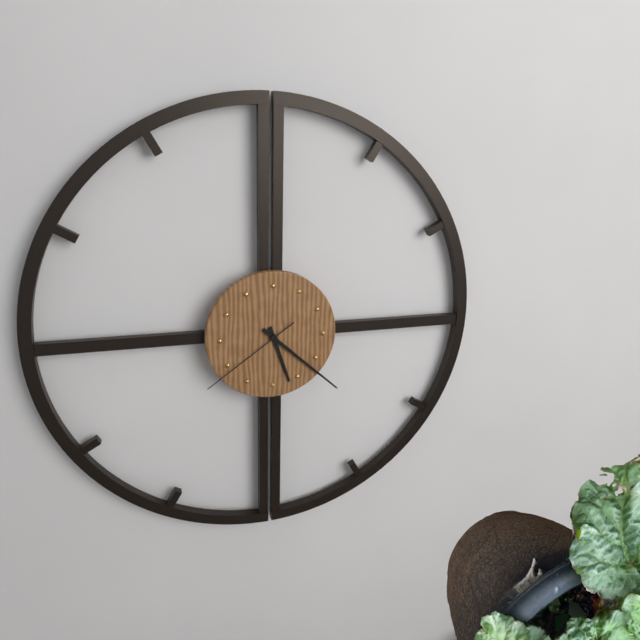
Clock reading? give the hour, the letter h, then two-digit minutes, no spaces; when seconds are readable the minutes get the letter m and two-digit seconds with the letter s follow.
5h22m39s
